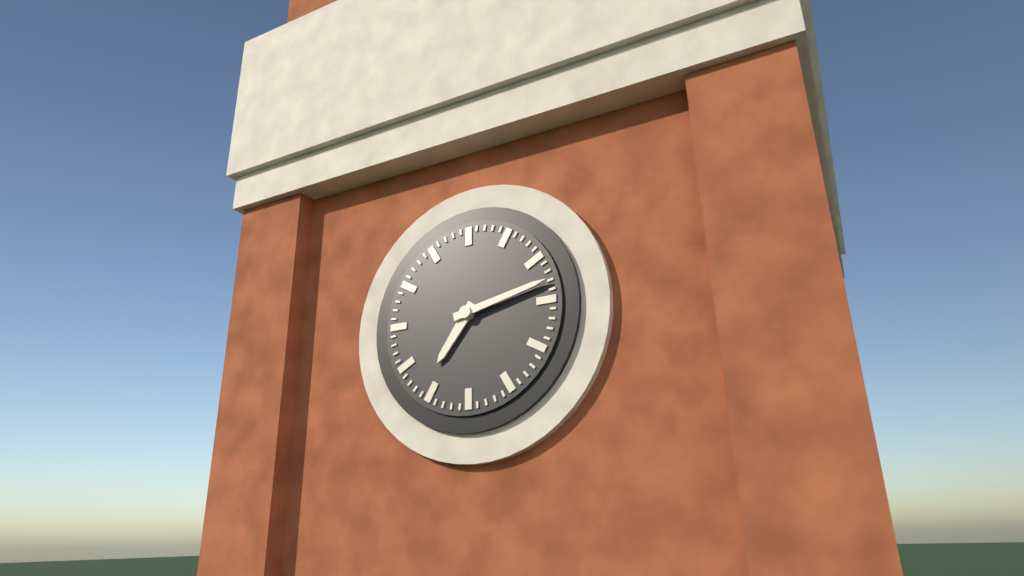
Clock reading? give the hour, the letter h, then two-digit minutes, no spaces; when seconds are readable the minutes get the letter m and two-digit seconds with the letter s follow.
7h13
